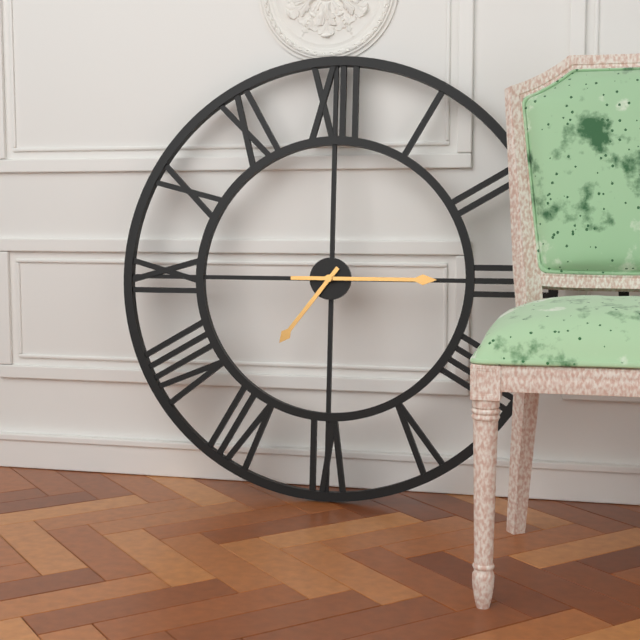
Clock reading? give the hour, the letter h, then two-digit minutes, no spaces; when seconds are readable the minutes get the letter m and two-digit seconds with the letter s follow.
7h15
